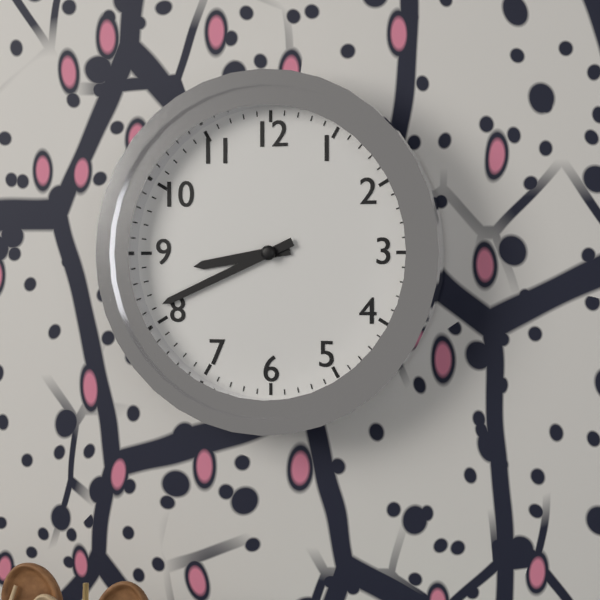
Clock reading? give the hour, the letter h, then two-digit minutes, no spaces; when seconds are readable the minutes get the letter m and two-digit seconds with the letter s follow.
8h41
